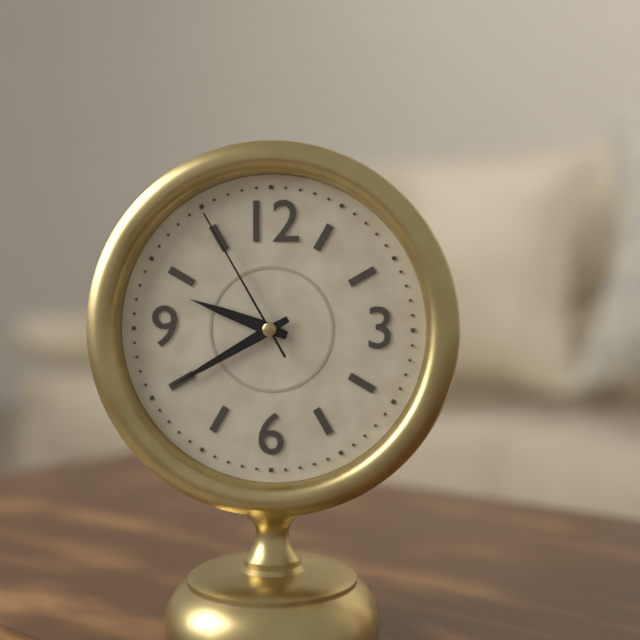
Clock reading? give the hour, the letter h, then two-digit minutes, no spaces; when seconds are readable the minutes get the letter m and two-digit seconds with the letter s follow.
9h40m55s
